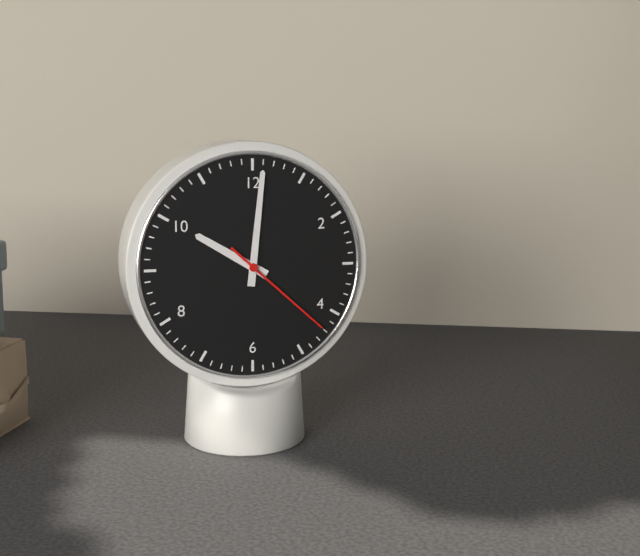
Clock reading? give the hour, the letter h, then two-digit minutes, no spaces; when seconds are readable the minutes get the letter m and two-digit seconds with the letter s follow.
10h01m22s
